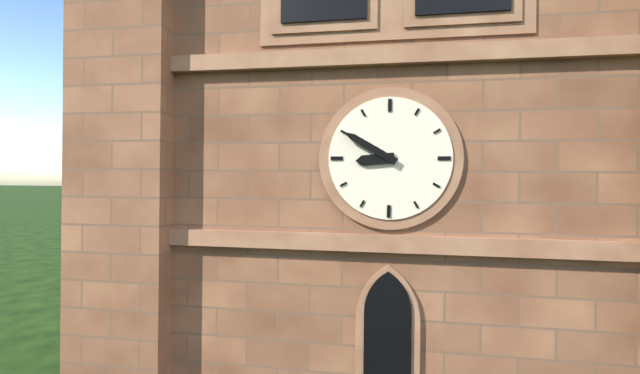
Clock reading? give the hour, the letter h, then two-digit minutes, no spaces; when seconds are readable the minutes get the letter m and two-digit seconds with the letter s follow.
8h50
